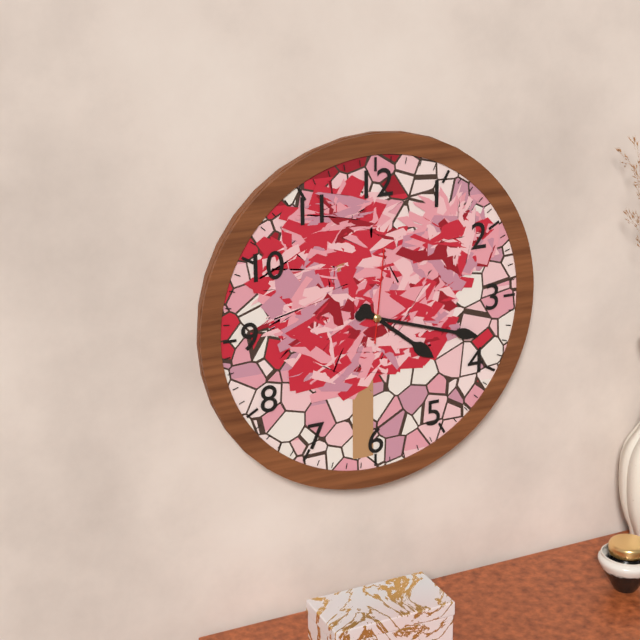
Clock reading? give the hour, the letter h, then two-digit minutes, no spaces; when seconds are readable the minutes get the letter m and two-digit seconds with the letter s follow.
4h18m01s
